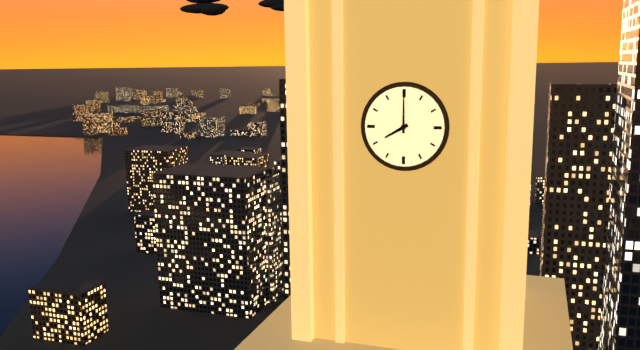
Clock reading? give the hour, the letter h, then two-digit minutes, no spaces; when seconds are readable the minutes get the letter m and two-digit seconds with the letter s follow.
8h00
